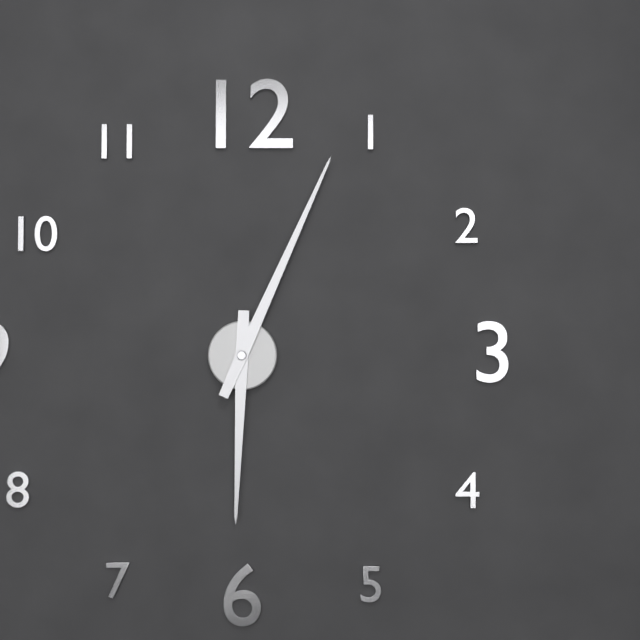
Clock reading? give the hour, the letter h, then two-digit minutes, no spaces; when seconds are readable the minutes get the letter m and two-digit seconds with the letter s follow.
6h04
